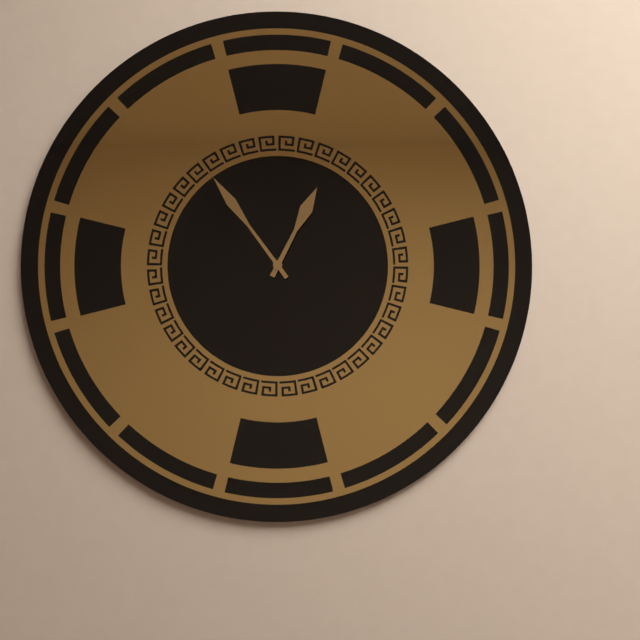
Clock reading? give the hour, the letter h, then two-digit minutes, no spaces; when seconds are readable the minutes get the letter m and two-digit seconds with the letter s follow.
12h54
